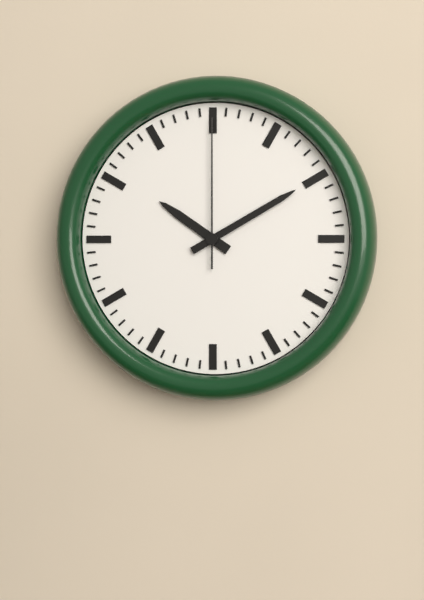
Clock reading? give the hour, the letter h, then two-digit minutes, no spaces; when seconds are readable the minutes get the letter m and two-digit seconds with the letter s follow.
10h10m00s
